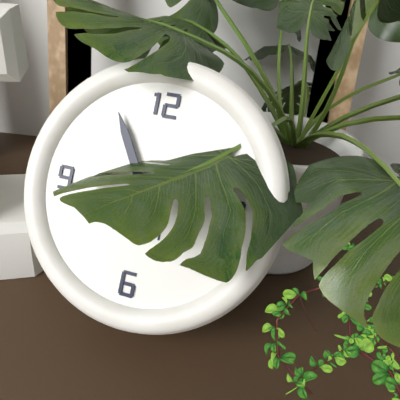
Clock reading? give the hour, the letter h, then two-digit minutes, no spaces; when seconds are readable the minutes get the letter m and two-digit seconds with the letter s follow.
1h55
